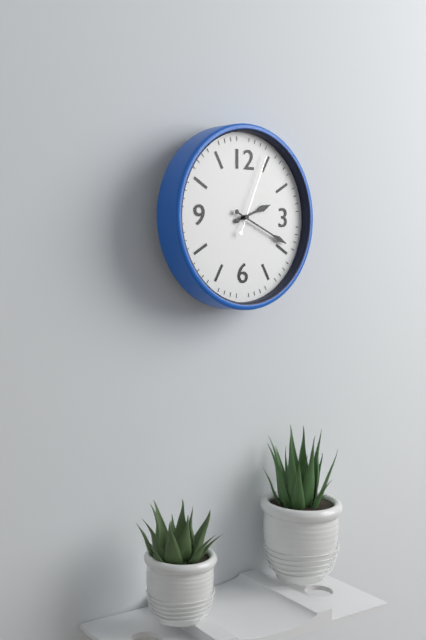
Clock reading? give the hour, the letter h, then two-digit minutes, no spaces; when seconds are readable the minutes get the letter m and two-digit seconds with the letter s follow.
2h19m04s
